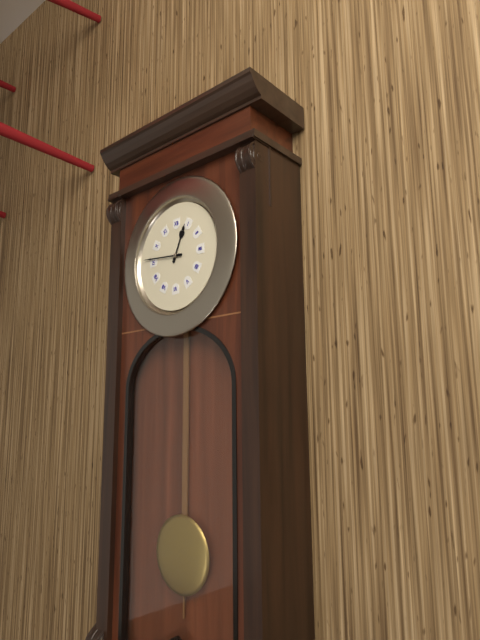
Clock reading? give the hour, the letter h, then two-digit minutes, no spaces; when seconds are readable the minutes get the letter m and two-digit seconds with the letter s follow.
12h46
